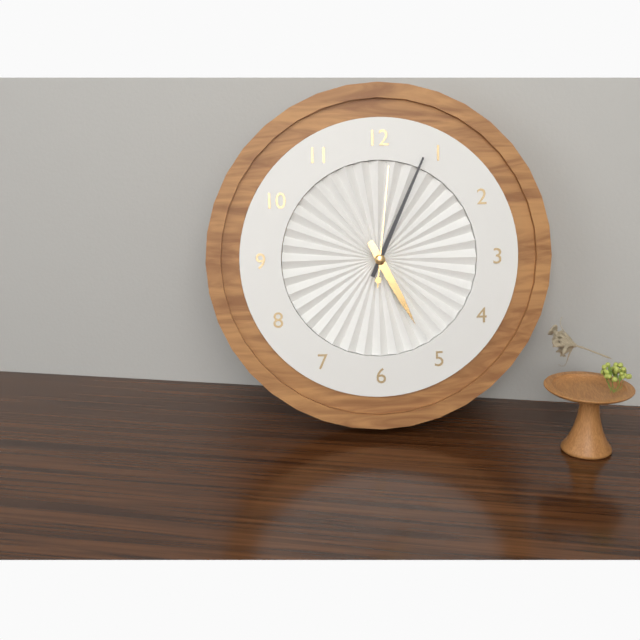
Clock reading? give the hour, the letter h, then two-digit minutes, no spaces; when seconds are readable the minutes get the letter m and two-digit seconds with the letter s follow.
5h04m01s
